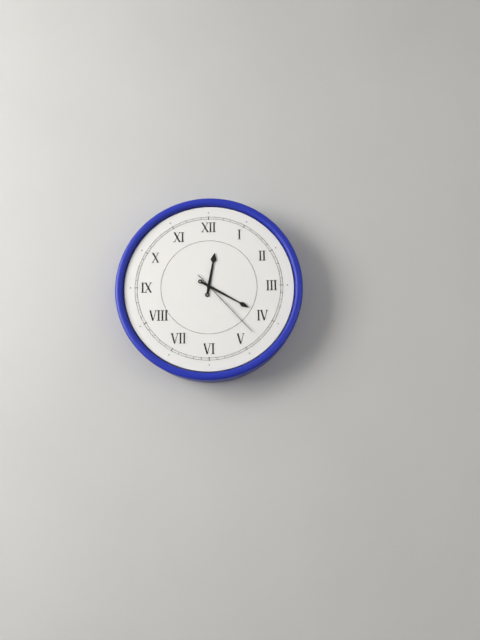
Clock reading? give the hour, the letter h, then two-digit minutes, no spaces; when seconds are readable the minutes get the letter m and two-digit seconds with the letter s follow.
12h20m23s
